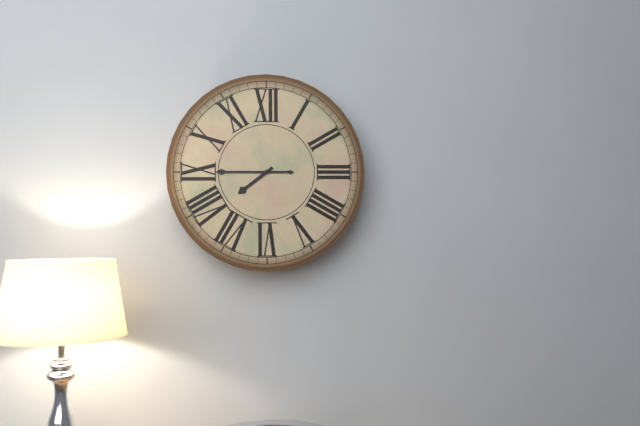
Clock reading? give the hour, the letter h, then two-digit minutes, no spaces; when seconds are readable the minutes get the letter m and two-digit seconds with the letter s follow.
7h45
